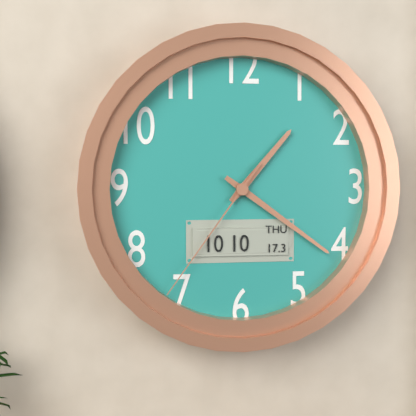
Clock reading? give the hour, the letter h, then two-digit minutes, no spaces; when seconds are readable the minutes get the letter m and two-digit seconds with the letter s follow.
1h21m36s
